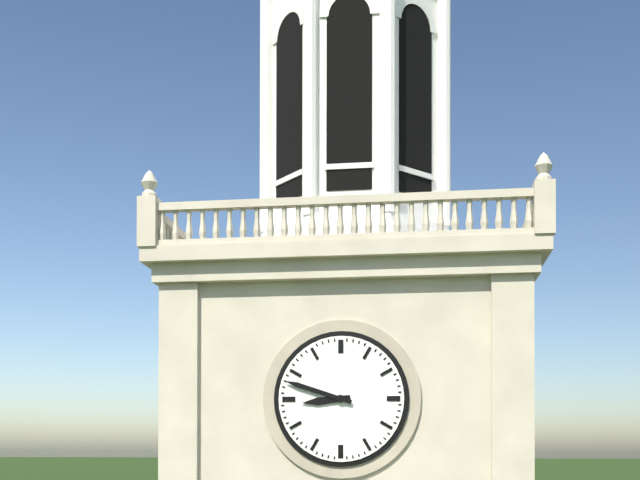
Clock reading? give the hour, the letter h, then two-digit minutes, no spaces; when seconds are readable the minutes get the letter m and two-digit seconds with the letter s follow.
8h48
